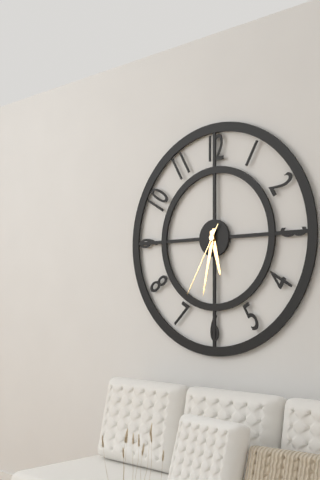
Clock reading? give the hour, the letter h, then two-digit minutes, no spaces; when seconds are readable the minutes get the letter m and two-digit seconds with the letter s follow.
5h32m35s
